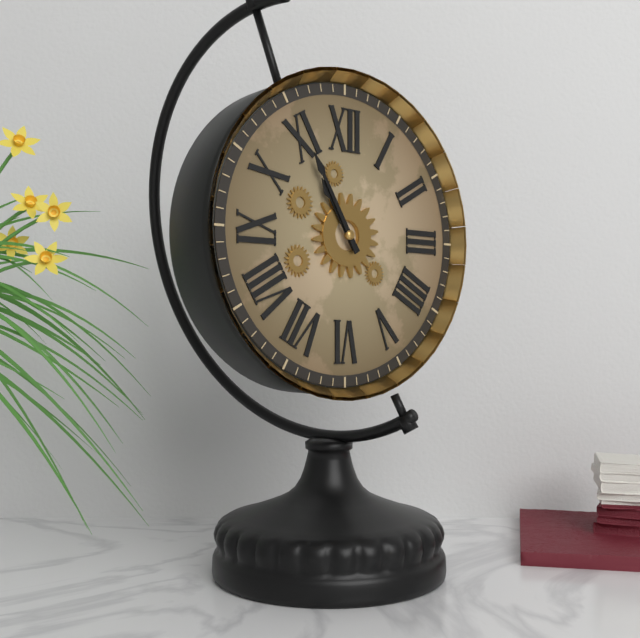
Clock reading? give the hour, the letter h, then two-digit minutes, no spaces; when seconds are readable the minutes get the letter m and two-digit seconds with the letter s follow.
10h55
